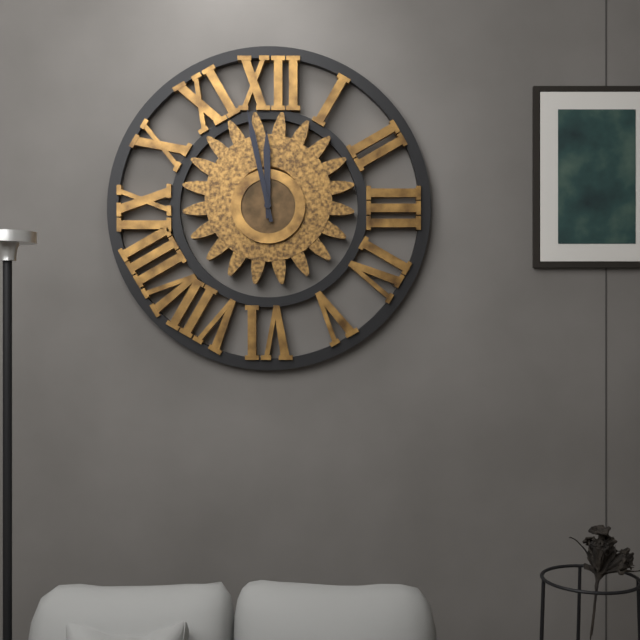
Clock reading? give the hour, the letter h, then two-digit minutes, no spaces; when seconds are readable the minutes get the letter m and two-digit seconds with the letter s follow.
11h58
